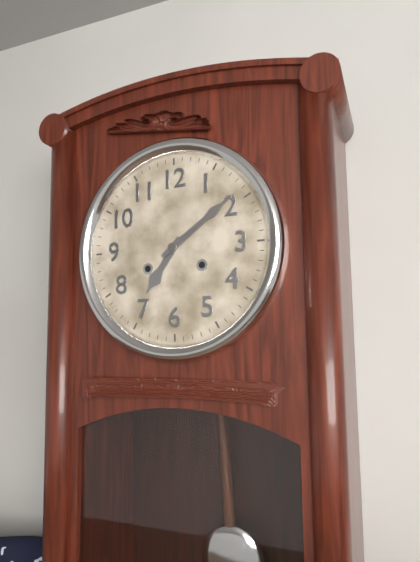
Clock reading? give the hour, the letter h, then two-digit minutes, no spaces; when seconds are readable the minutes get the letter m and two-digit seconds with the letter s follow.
7h09
